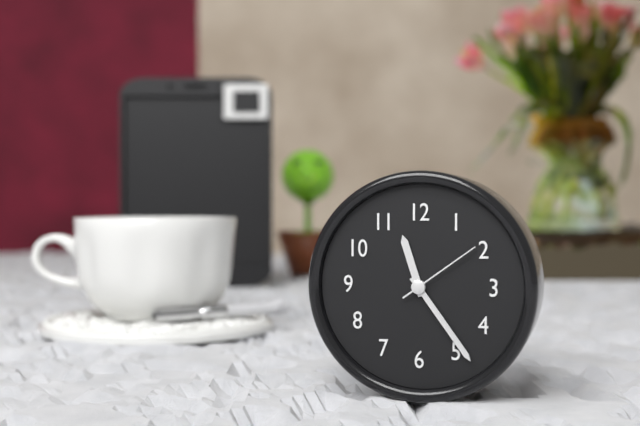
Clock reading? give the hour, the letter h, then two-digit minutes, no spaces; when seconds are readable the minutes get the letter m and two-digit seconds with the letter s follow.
11h24m09s
